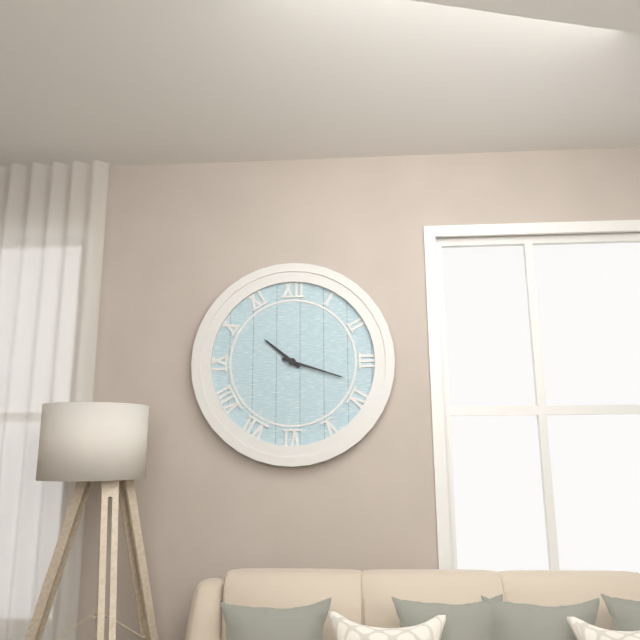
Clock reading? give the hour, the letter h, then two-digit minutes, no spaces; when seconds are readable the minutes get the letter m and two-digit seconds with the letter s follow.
10h18
